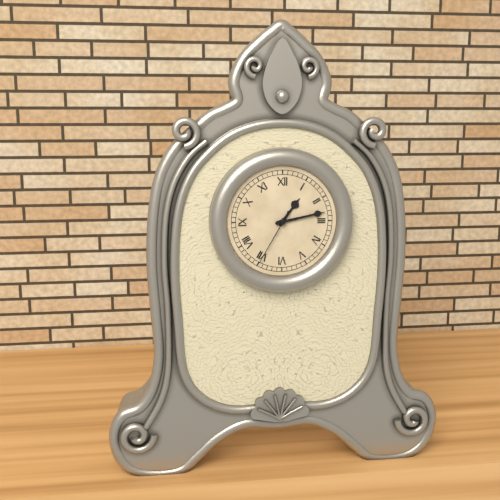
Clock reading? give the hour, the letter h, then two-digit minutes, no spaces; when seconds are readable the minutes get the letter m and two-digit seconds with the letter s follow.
1h13m35s
